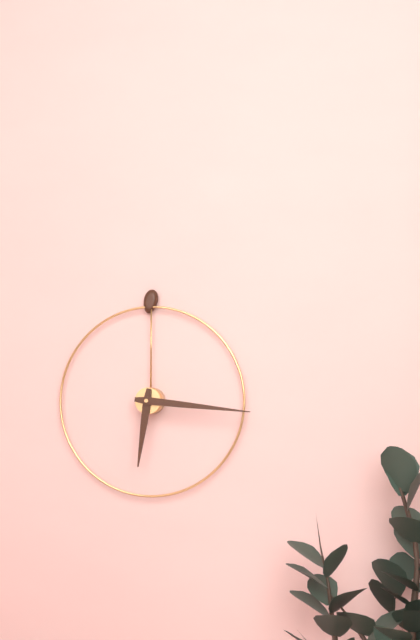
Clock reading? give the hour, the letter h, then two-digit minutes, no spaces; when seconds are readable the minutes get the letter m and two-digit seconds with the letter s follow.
6h16
